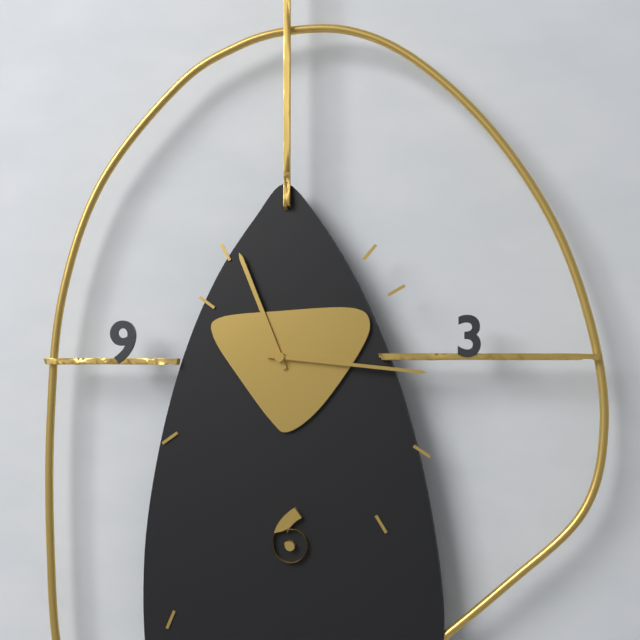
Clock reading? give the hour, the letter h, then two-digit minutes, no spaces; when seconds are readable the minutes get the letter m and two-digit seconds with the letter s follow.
11h16
